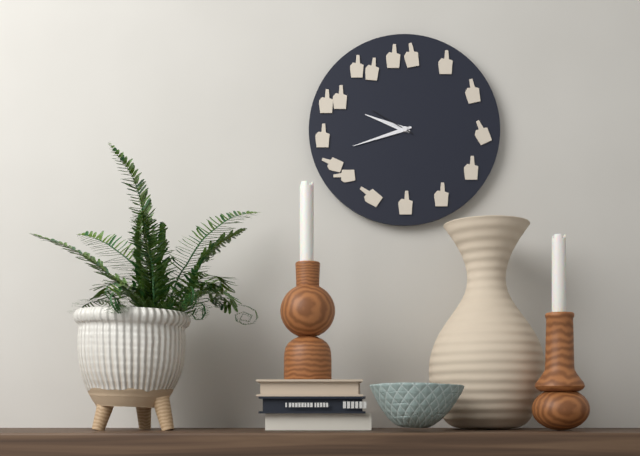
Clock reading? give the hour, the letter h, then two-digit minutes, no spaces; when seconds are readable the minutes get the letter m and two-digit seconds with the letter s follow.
9h42
